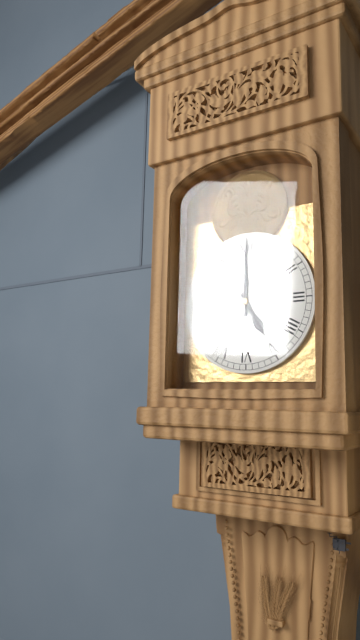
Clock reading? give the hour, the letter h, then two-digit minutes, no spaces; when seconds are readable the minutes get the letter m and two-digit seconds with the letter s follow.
5h00
